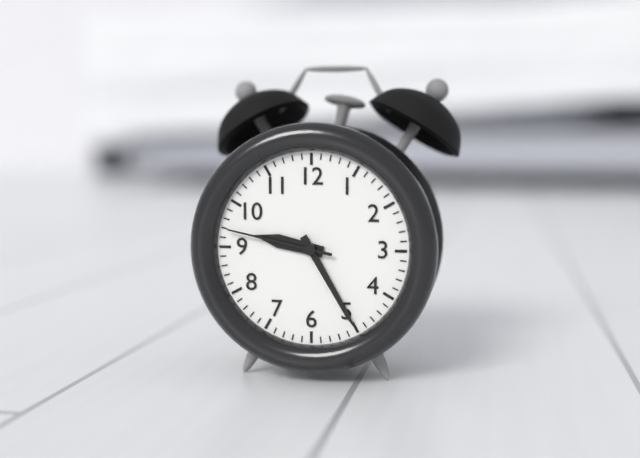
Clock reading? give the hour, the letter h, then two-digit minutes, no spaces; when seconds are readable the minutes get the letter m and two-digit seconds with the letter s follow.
9h25m47s
